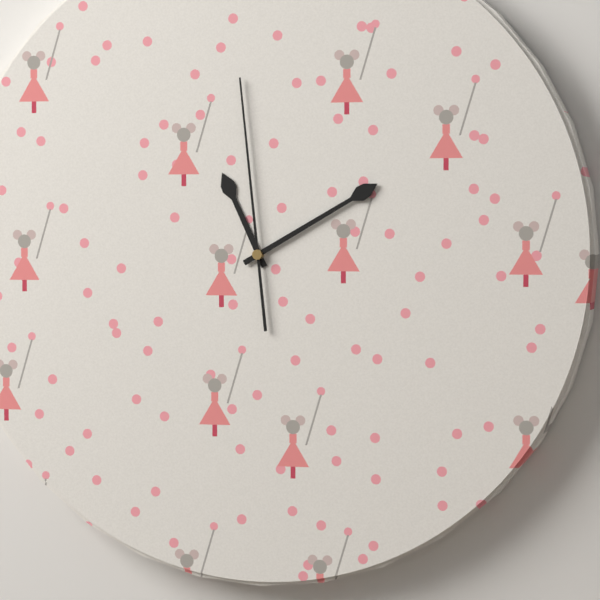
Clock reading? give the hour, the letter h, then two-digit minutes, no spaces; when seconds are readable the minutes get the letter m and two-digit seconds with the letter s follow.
11h10m59s
